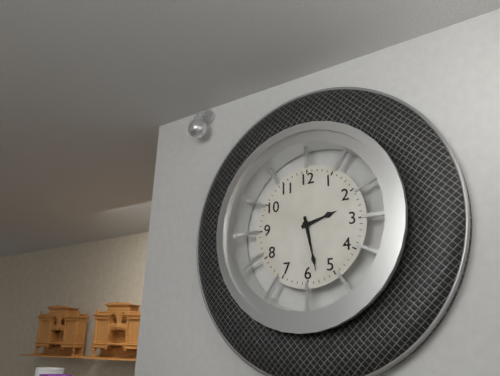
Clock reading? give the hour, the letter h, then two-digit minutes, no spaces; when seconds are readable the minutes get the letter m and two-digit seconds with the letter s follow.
2h28
